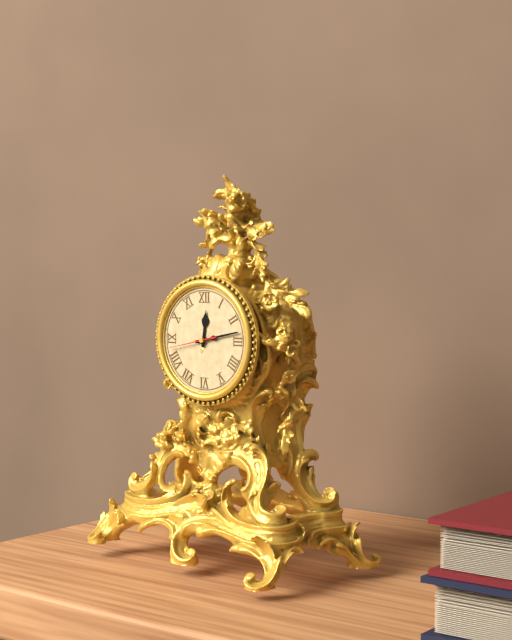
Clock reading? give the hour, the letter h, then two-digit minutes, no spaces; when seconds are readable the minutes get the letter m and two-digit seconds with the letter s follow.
12h13
